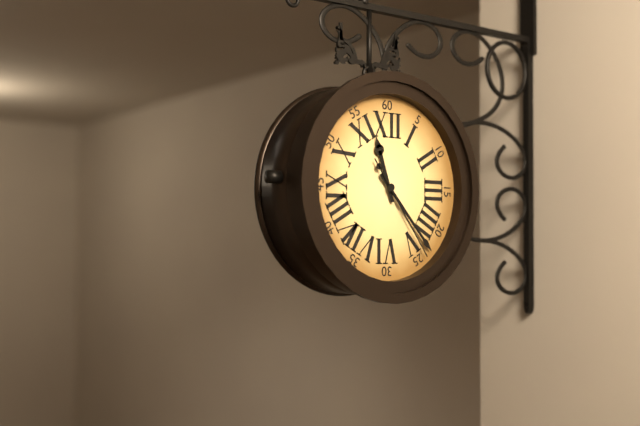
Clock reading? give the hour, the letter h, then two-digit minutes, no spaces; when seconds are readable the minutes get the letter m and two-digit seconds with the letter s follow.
11h23m24s
